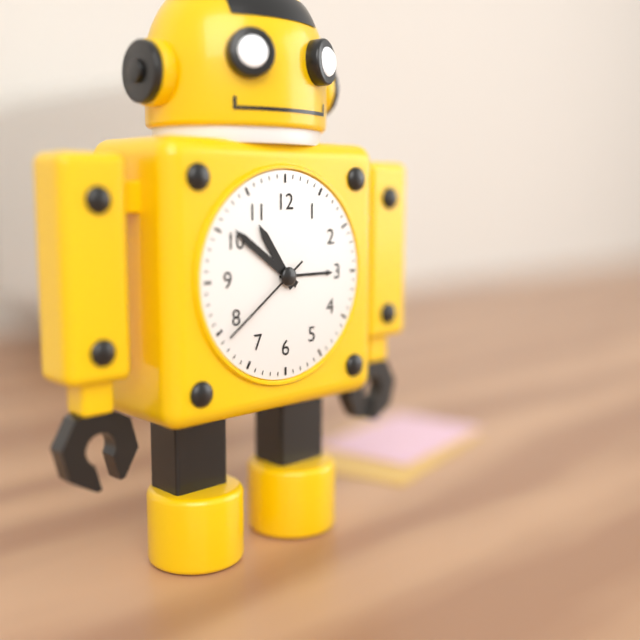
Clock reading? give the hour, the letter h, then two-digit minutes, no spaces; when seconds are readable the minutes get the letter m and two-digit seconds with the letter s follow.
10h51m39s
